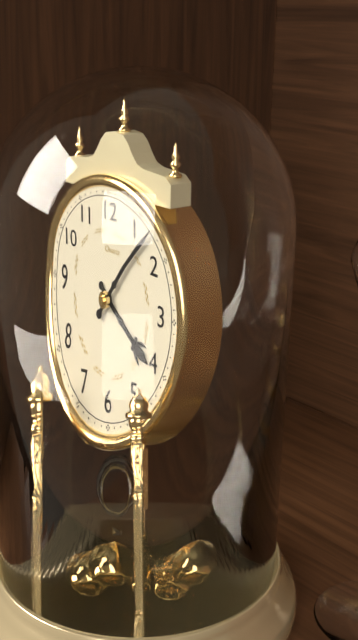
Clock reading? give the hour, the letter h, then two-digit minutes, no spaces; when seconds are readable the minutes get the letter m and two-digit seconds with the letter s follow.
4h07
